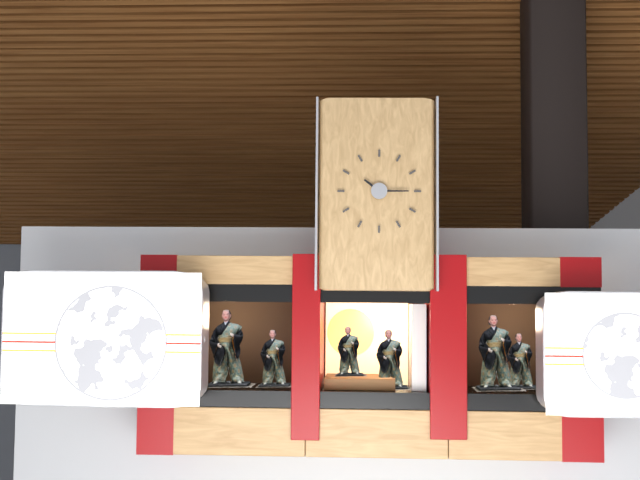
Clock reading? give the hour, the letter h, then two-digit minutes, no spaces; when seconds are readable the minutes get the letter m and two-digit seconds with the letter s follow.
10h15
